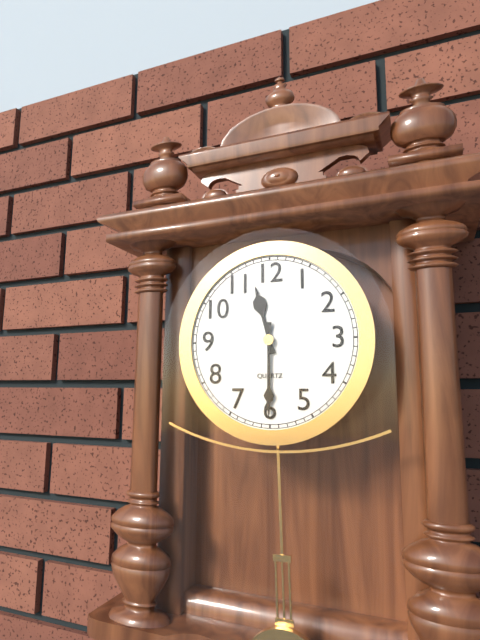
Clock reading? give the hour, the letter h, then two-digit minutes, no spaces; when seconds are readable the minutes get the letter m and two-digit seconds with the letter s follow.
11h30
